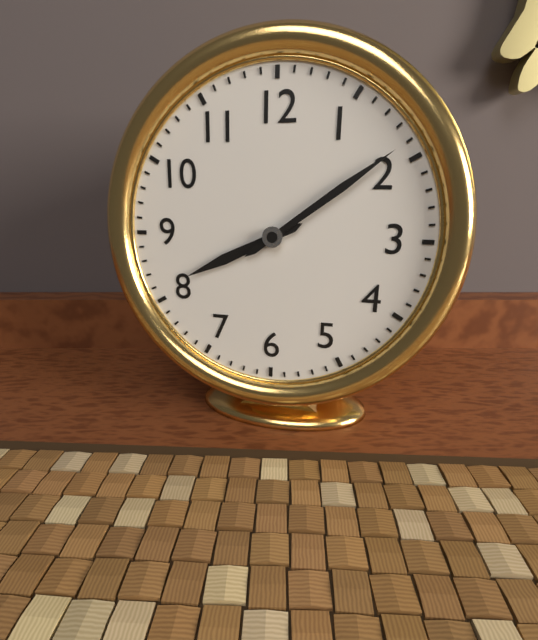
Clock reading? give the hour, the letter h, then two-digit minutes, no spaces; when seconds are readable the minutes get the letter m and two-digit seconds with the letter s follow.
8h09
